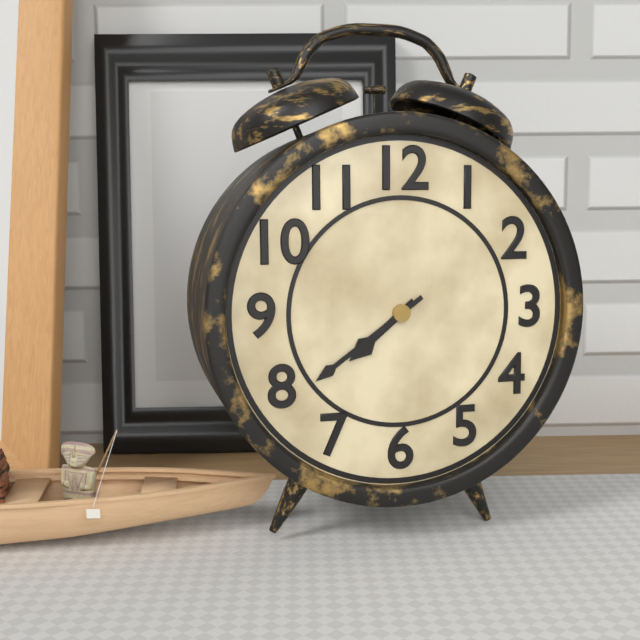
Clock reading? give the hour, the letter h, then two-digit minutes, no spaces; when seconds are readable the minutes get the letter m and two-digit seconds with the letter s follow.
7h39
